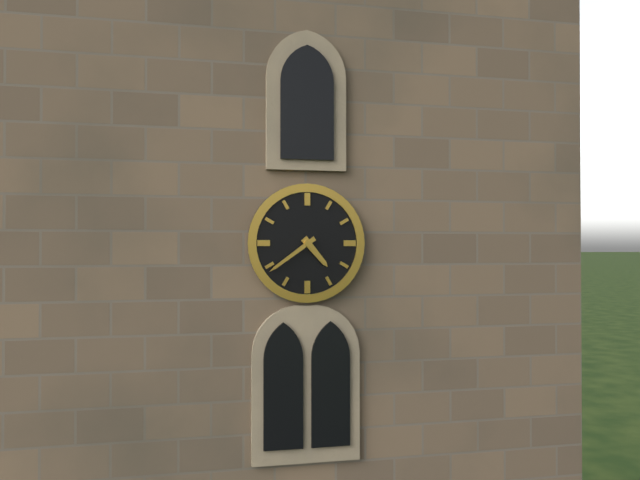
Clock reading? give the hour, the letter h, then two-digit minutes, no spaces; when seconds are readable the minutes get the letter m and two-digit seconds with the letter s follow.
4h39
